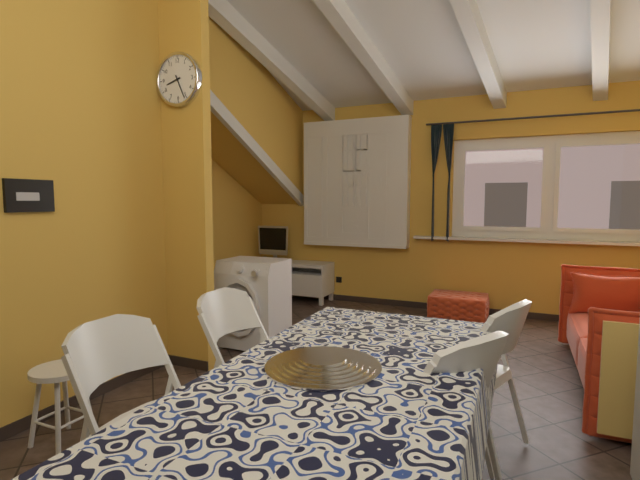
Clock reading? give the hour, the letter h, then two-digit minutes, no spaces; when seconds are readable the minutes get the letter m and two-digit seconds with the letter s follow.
8h26
